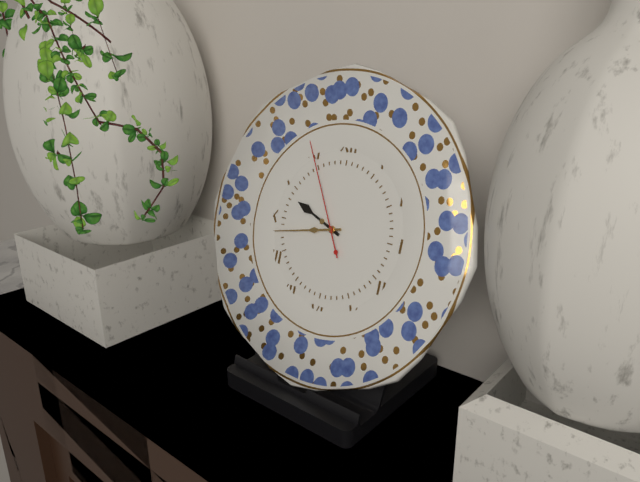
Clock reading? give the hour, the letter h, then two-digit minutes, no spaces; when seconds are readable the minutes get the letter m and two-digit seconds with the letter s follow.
9h43m55s
